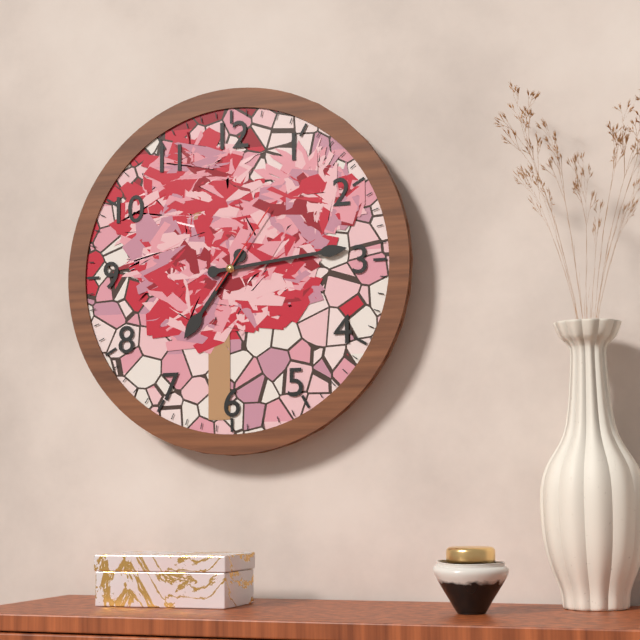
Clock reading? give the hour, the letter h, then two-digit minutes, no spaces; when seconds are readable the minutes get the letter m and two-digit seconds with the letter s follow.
7h14m06s
